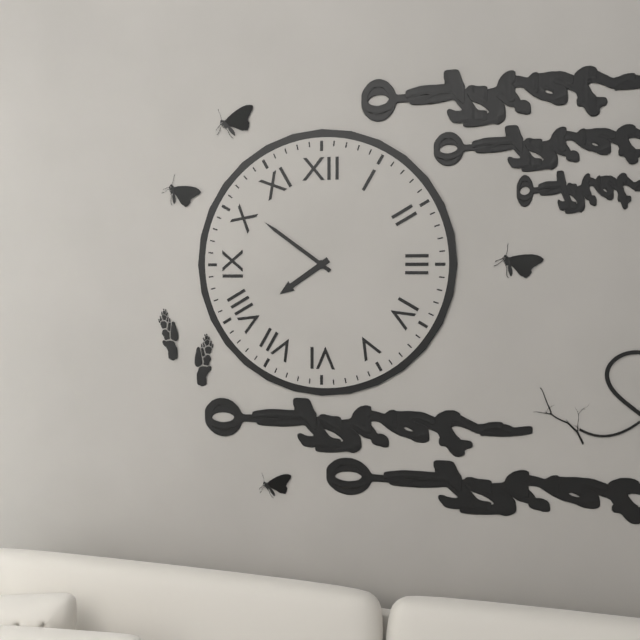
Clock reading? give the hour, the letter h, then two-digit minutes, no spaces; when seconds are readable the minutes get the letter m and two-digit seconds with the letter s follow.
7h51
